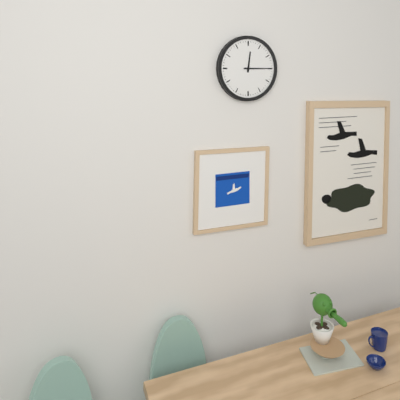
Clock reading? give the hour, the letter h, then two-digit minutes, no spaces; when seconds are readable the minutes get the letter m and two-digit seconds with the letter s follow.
12h15
